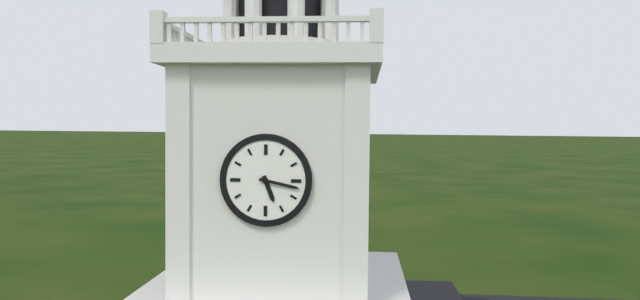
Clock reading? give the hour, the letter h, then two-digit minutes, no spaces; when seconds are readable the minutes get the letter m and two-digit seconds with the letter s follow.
5h17
